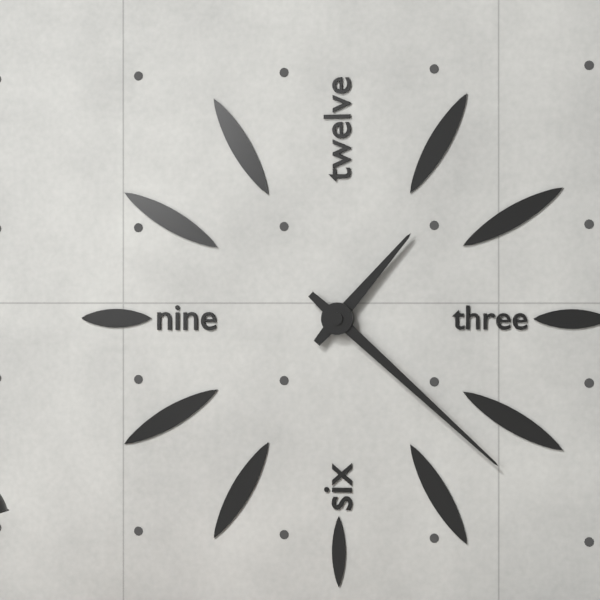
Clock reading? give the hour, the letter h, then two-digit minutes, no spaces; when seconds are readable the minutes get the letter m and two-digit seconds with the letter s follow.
1h22
